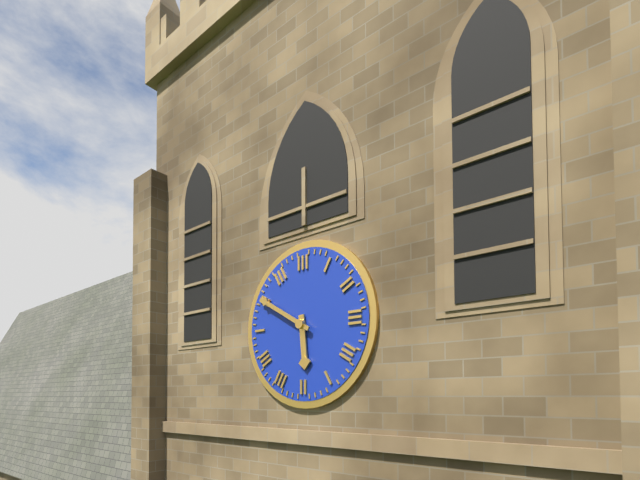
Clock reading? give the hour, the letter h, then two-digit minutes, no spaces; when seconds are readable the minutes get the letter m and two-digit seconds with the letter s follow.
5h50
